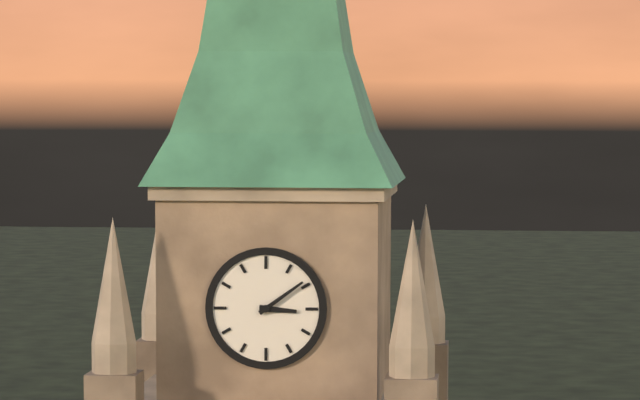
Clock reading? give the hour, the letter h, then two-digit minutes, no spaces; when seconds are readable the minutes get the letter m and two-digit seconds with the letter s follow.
3h09
